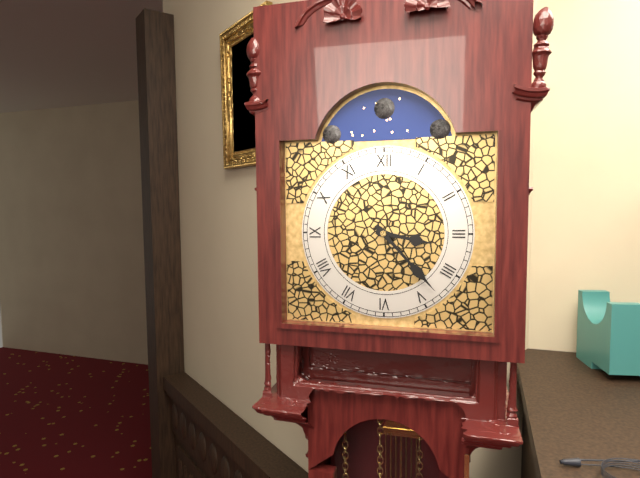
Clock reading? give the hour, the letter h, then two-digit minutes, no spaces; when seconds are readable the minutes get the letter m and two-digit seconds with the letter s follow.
3h23
